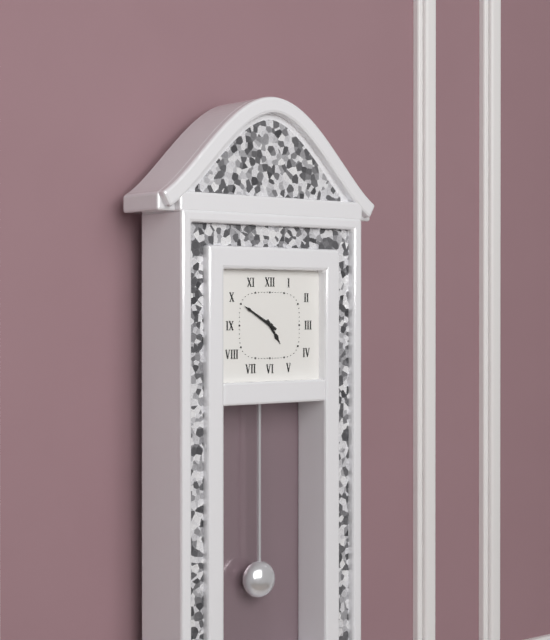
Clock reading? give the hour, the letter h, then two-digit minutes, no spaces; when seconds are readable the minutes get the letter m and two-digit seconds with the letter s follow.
4h50
